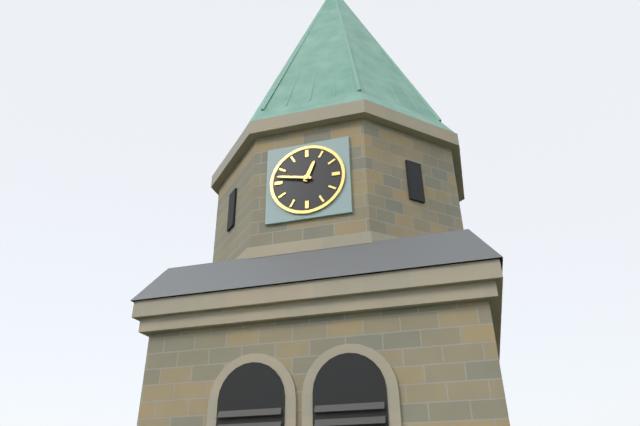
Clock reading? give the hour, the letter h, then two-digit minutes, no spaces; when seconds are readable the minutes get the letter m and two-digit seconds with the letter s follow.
12h47
